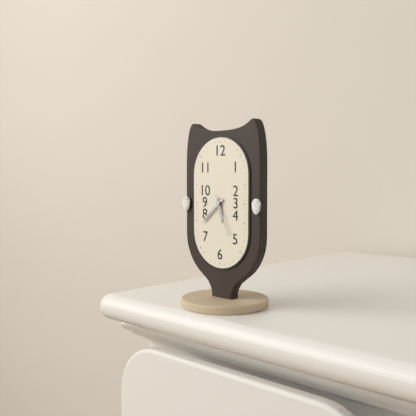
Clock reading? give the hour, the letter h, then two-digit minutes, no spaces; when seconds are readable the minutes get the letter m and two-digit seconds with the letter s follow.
5h38
